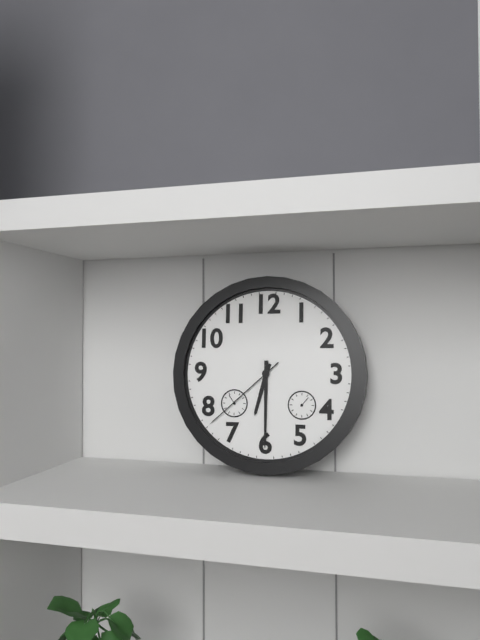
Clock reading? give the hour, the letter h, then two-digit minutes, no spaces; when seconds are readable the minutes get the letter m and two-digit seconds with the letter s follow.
6h30m38s
